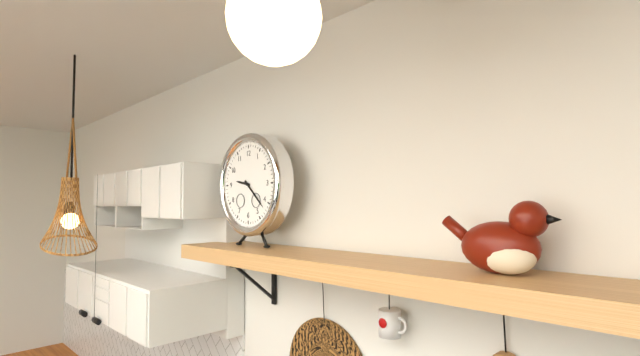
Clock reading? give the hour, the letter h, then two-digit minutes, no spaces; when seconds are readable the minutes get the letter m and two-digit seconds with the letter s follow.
9h22
